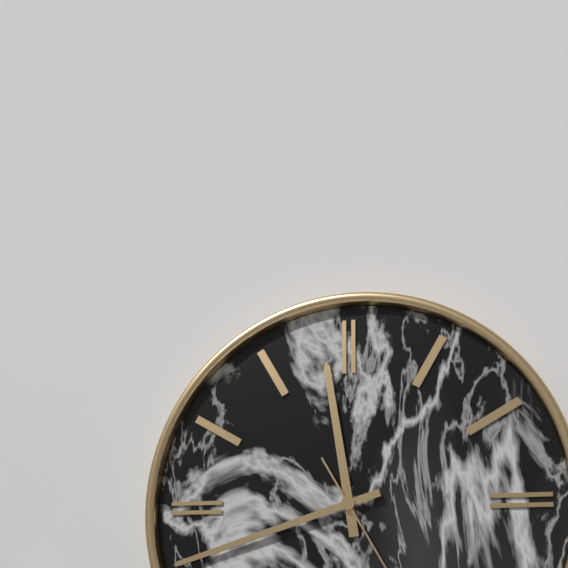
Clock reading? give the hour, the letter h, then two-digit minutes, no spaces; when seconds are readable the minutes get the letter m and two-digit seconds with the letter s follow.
11h42
